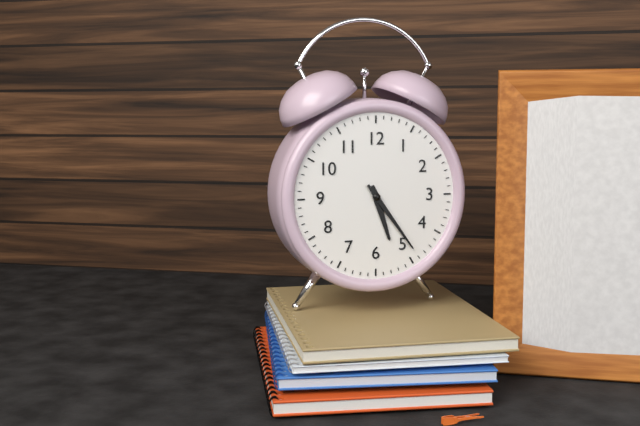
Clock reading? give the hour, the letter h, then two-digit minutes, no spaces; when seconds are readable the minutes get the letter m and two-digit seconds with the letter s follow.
5h24
